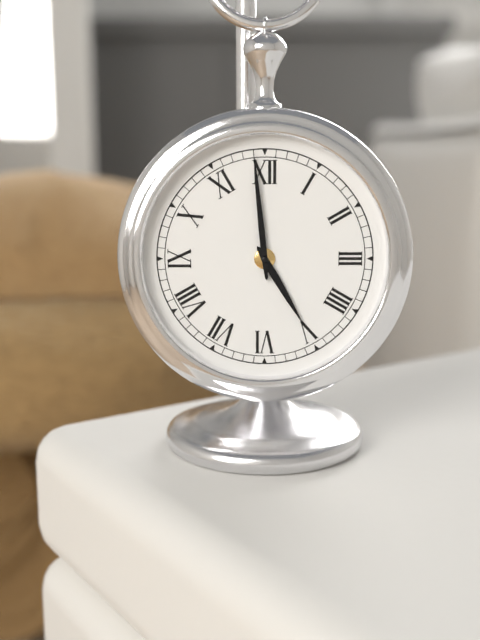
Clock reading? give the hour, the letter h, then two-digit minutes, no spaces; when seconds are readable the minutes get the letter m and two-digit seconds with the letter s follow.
4h59
